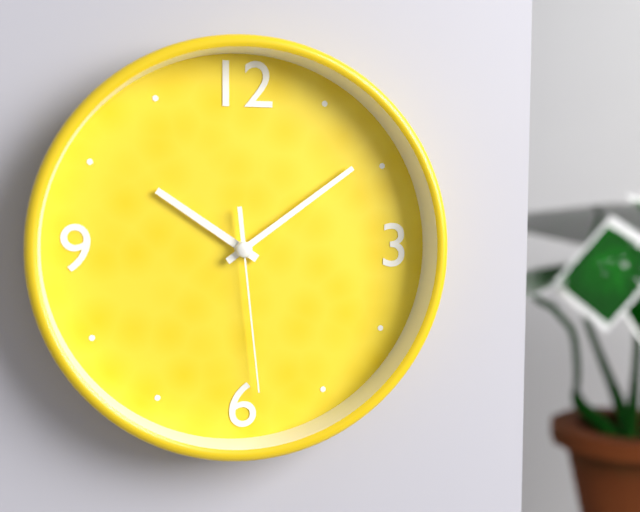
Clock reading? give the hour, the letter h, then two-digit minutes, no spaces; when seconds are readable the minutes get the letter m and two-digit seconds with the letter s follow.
10h09m29s
